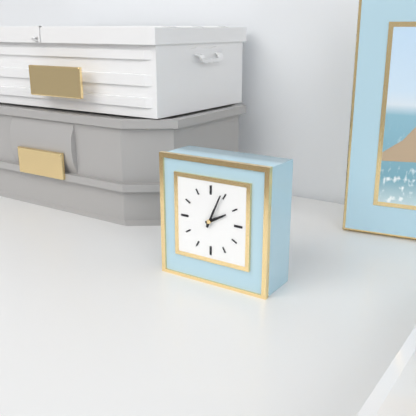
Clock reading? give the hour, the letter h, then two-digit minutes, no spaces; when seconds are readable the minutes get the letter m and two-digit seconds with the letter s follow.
2h04
